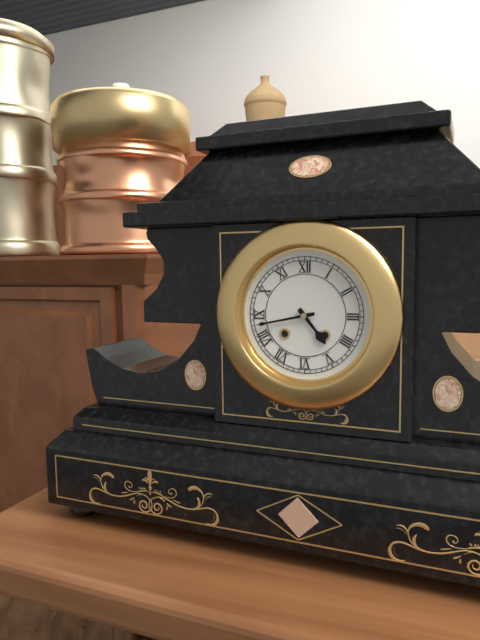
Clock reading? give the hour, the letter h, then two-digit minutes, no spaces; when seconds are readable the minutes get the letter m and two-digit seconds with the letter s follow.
4h43
